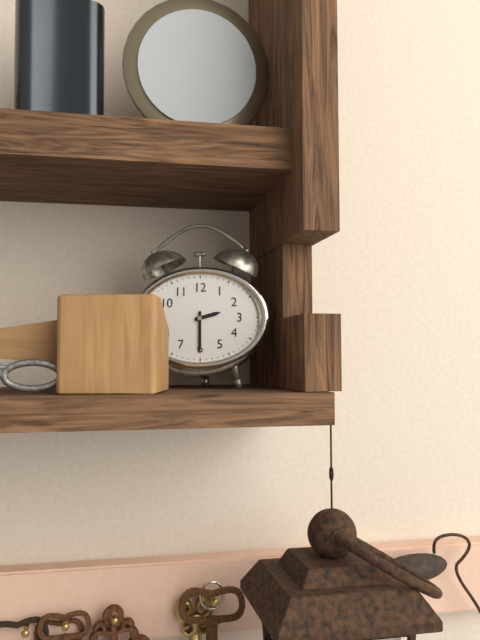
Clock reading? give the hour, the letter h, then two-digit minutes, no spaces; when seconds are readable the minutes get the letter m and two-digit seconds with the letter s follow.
2h30
